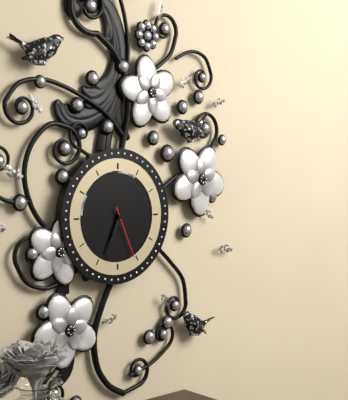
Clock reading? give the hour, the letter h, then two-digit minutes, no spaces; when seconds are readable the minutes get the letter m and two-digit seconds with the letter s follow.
6h34m26s
